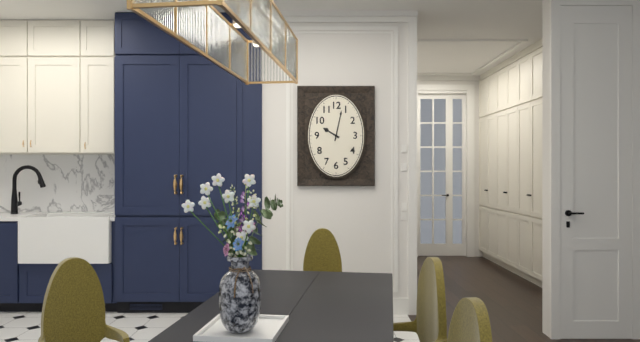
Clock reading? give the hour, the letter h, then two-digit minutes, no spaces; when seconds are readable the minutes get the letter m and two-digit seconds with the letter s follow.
10h02
